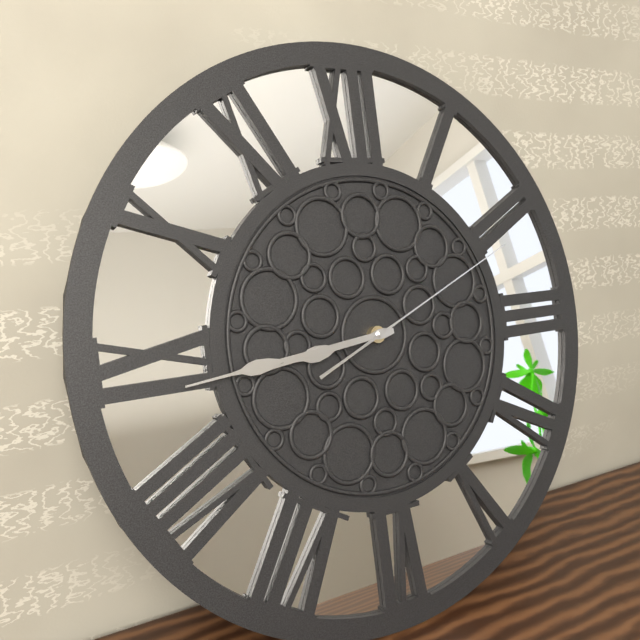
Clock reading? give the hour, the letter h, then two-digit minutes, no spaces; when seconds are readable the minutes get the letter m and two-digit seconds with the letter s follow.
8h44m11s
